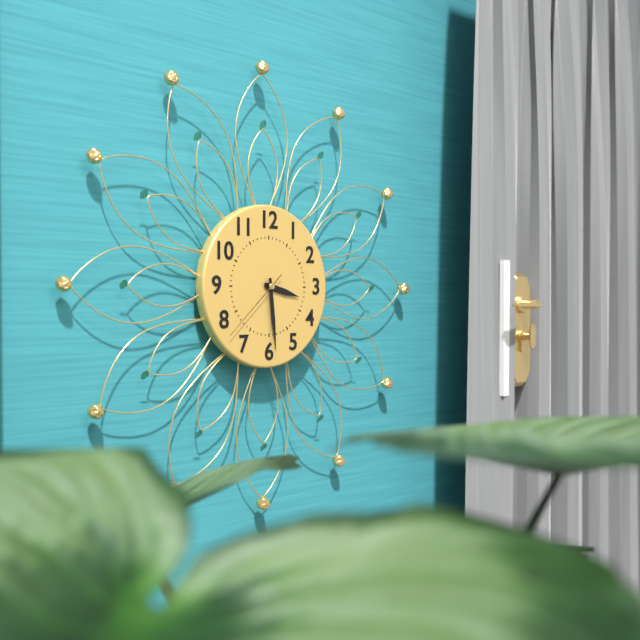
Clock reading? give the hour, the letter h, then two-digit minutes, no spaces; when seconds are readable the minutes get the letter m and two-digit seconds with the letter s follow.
3h29m38s
